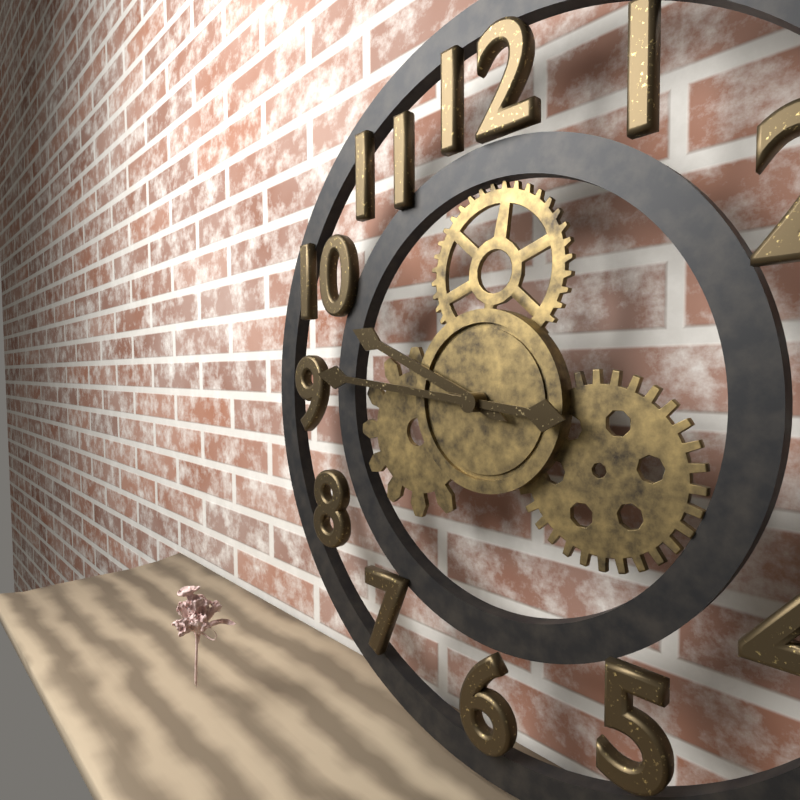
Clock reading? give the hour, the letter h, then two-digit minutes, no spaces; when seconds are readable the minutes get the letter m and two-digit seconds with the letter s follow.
9h46
